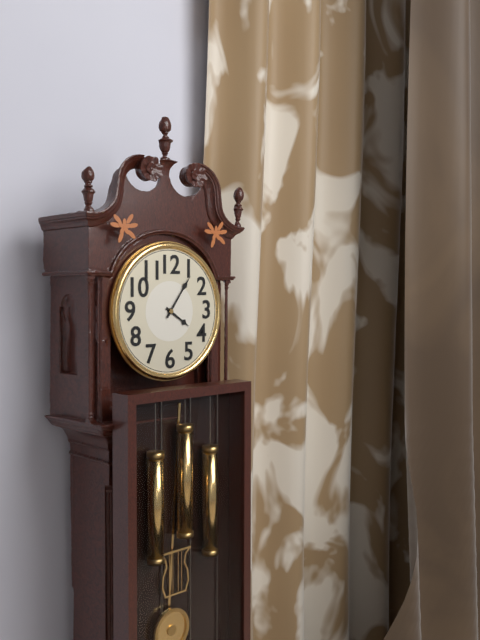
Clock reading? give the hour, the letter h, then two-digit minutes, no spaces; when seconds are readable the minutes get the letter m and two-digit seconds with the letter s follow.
4h06
